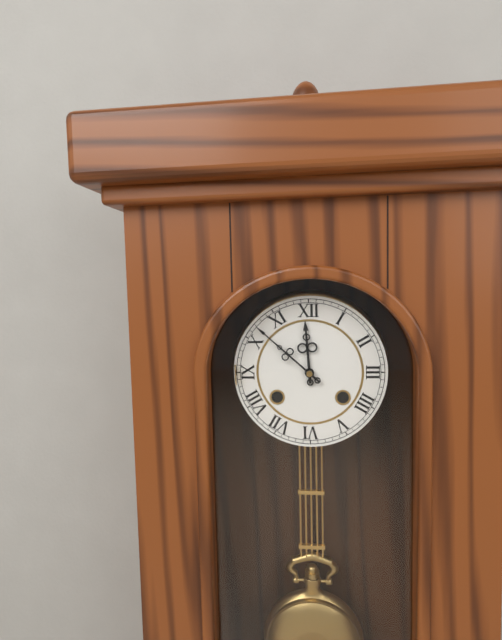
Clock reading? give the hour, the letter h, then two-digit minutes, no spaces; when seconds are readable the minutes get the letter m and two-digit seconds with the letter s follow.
11h52
